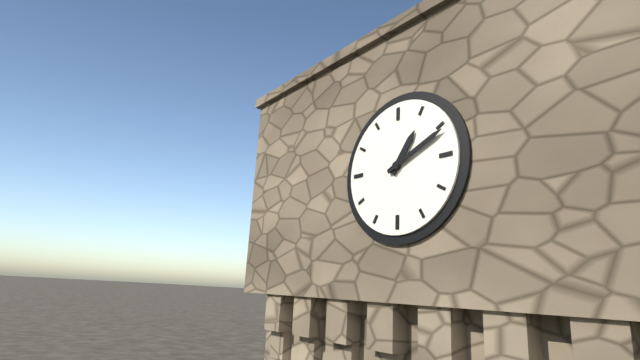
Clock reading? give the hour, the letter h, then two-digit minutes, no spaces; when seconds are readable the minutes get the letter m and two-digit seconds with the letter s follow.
1h11
